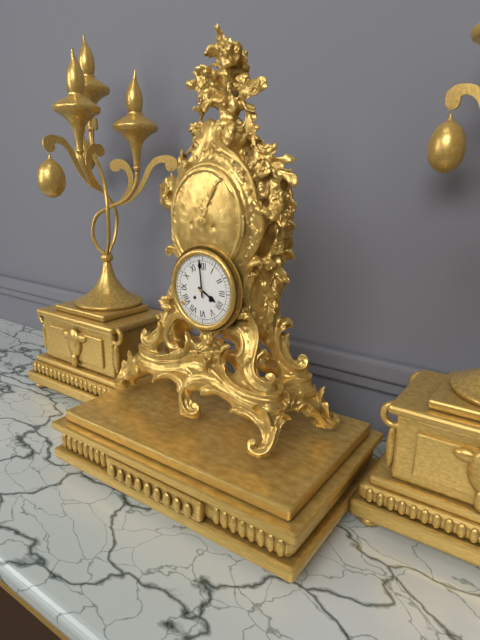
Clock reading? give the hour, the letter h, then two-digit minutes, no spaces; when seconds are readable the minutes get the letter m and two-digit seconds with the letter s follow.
3h59
